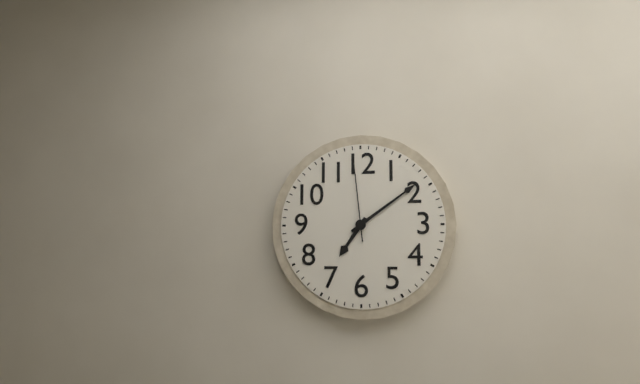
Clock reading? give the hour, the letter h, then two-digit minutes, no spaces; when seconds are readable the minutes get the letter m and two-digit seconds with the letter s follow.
7h09m59s
